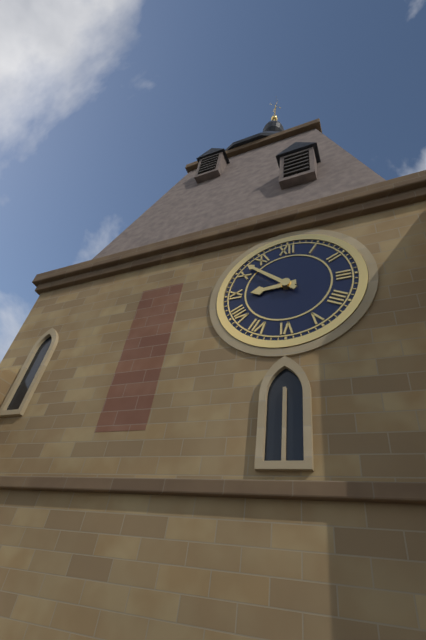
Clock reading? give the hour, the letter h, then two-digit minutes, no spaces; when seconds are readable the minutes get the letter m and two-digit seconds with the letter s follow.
8h52
